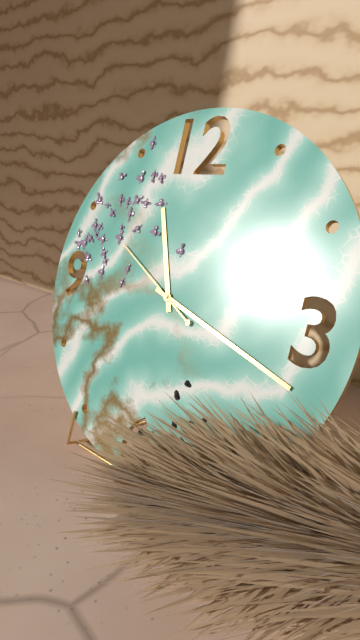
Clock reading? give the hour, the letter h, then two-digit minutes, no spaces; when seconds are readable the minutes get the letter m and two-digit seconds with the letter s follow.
11h18m50s
